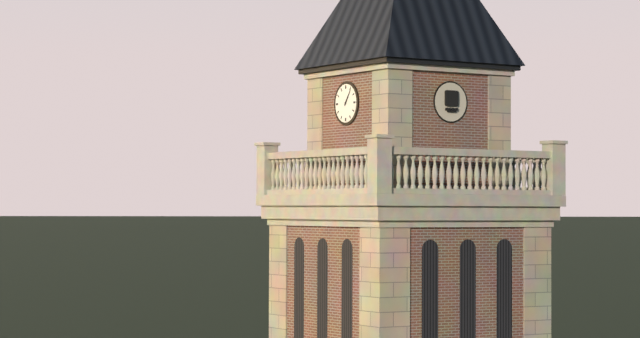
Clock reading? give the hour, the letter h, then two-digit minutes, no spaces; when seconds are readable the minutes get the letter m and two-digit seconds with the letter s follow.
1h06
